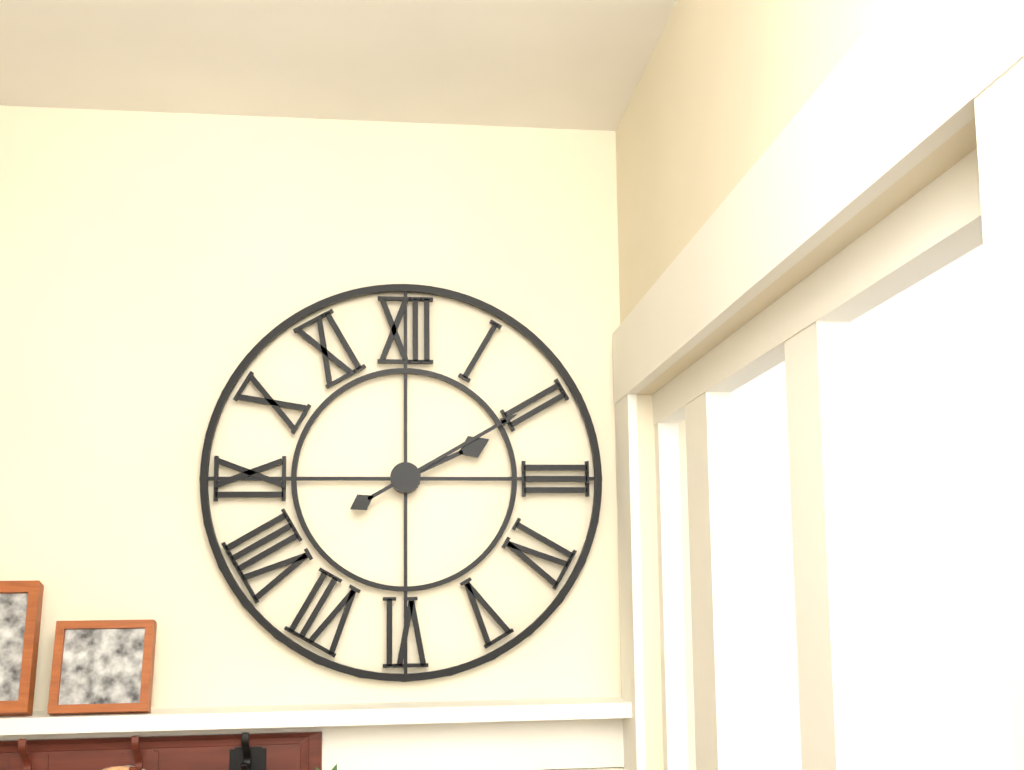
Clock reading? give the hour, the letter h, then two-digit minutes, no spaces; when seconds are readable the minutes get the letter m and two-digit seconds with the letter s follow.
2h10
